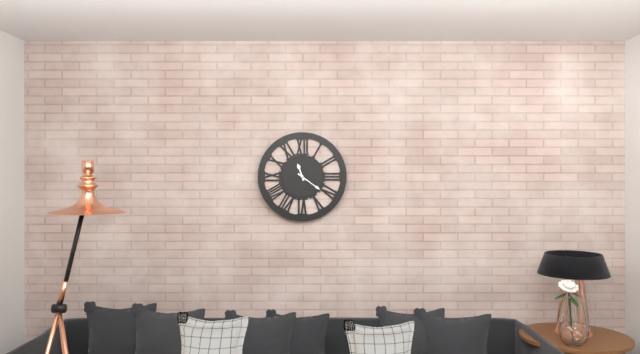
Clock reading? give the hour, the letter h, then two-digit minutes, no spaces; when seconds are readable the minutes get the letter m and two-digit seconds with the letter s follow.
11h21
